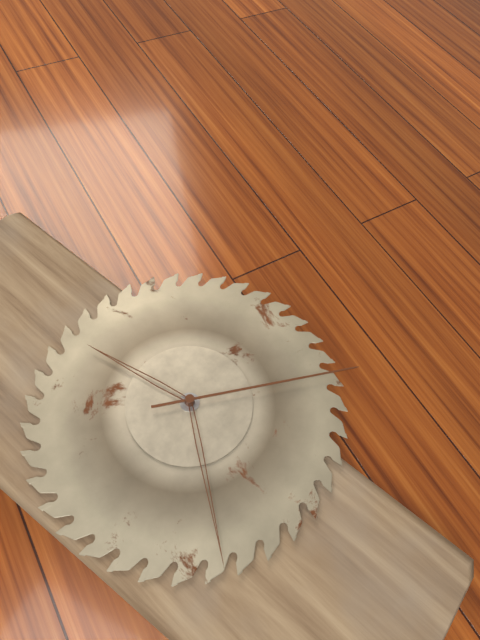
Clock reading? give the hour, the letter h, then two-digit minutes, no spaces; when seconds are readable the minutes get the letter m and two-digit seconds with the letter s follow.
11h36m21s
